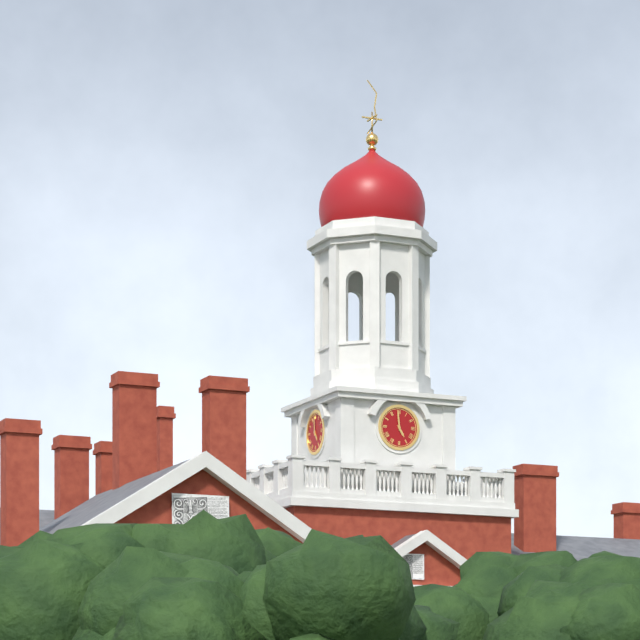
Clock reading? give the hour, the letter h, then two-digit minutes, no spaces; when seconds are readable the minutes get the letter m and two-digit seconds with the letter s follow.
4h59
